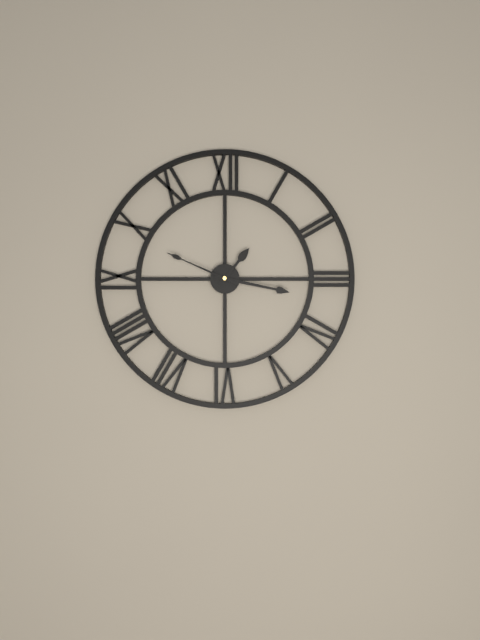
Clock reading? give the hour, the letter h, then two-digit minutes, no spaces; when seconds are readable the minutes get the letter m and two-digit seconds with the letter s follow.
1h17m49s
